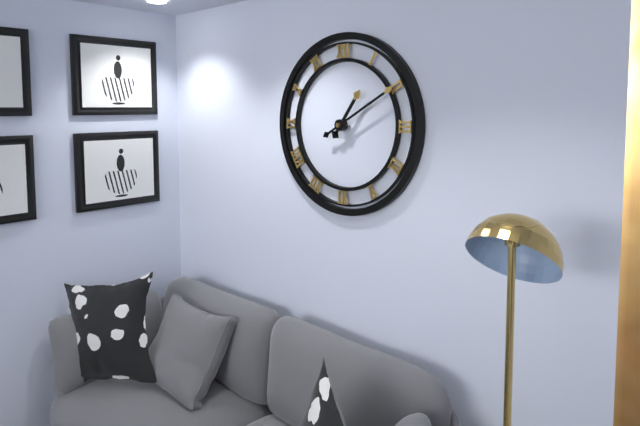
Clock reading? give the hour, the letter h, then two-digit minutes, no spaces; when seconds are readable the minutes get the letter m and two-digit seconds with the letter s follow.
1h10
